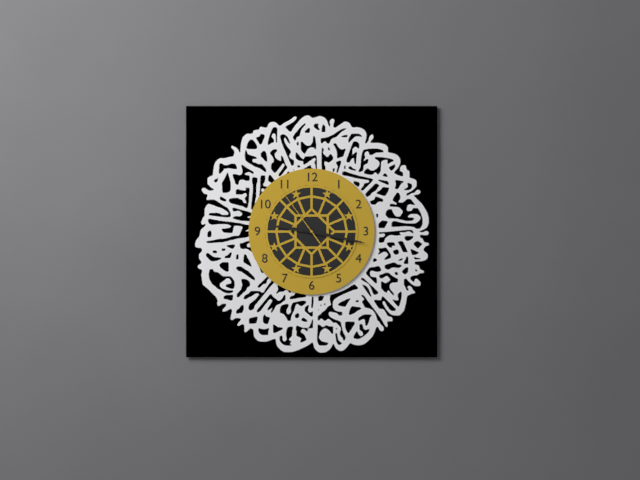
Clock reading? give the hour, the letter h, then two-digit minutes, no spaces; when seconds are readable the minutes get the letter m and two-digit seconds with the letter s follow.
9h17m54s
